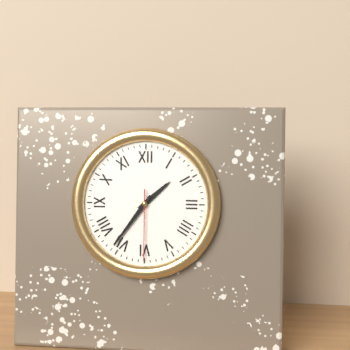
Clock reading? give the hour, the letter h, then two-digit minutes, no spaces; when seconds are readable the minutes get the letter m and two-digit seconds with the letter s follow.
1h36m30s
